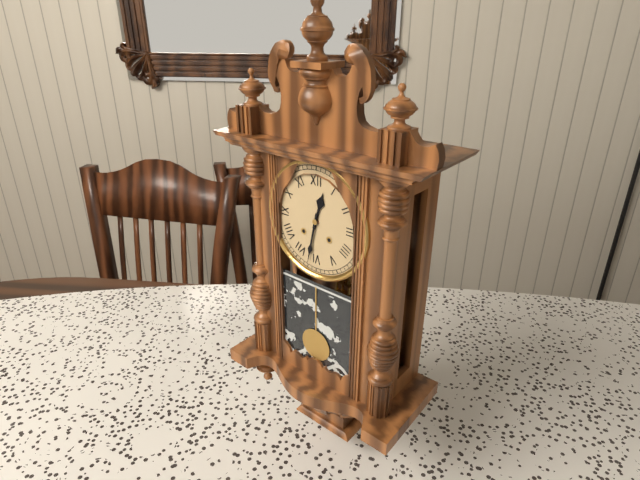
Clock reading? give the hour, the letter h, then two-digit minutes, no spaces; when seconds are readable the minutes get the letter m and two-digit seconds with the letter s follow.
12h32
